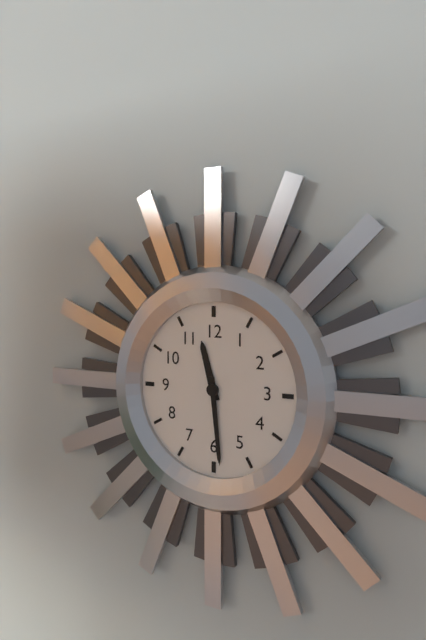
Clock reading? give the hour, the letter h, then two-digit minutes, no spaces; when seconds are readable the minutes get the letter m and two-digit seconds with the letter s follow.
11h29
